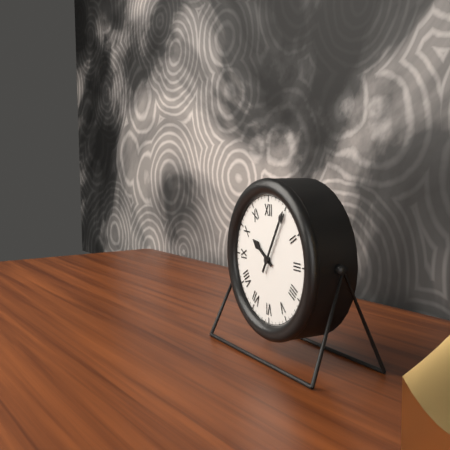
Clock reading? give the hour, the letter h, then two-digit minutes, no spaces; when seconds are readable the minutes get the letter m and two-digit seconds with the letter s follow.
10h05
